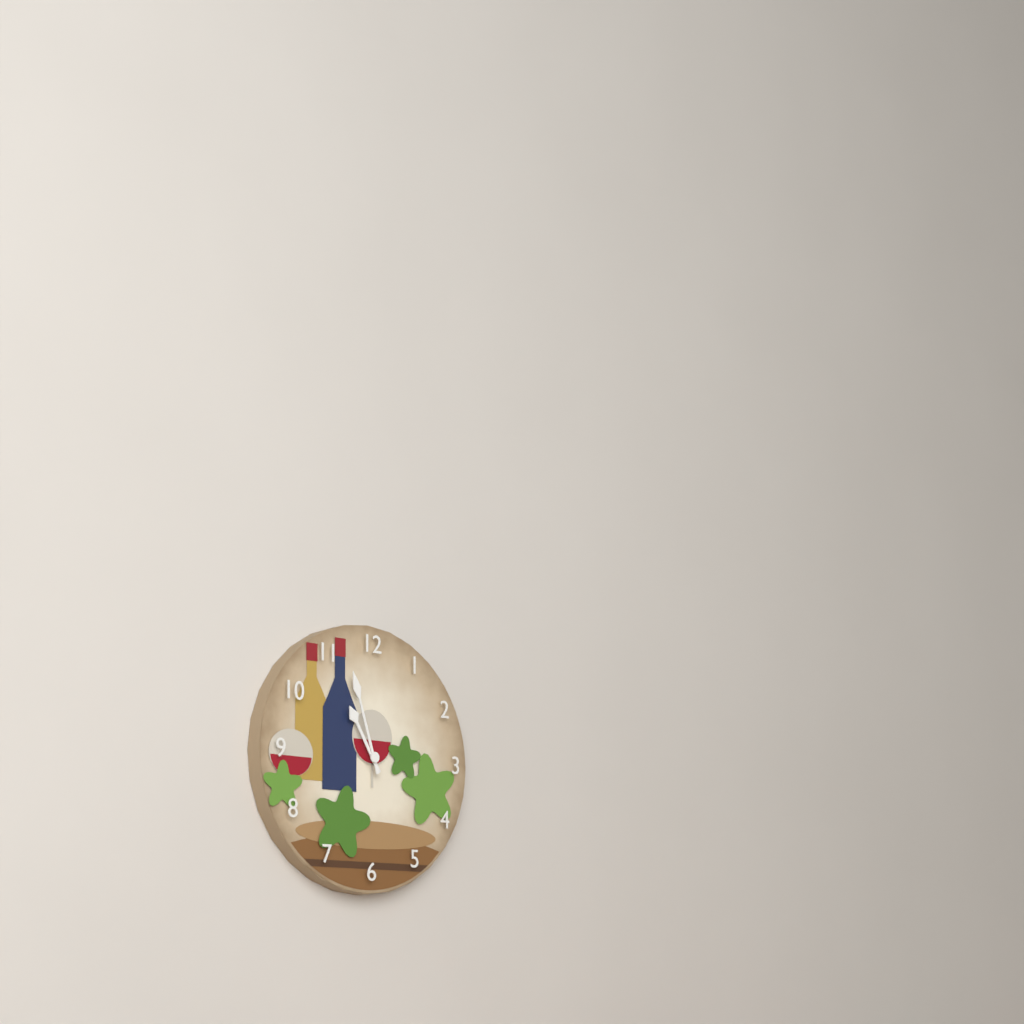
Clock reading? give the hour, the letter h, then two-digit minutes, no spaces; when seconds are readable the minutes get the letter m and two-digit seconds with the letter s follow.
10h57
